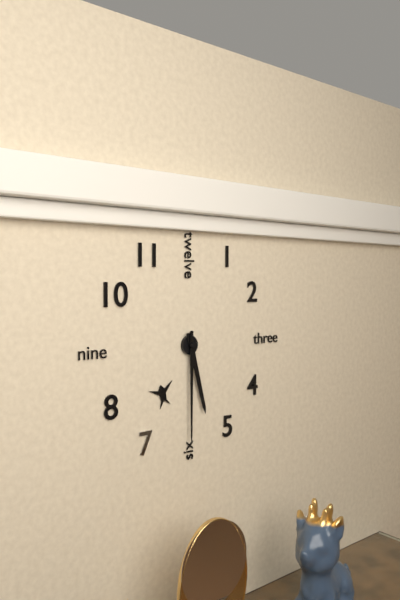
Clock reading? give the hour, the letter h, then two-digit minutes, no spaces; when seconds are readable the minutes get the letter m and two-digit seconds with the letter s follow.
5h30
